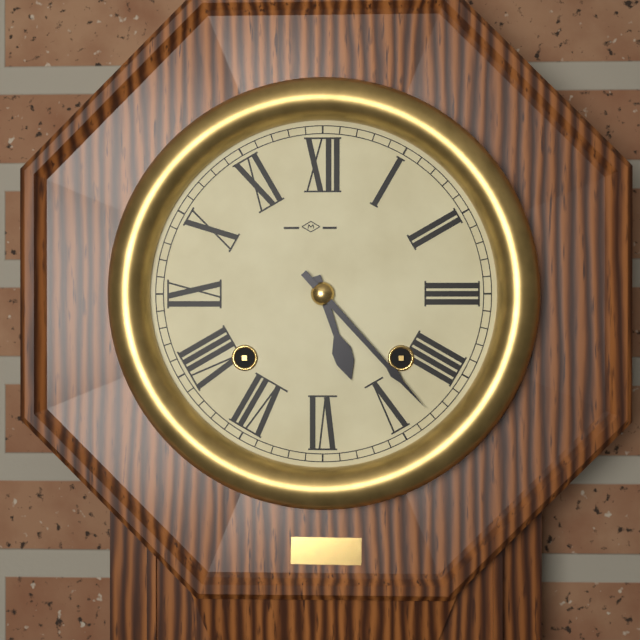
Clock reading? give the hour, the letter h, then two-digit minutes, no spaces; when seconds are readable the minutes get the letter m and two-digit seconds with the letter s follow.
5h23
